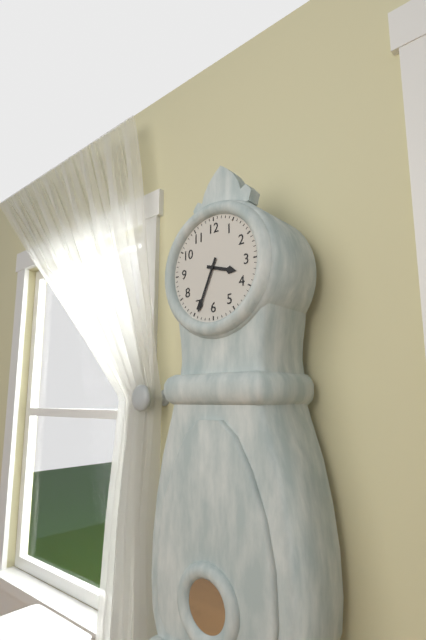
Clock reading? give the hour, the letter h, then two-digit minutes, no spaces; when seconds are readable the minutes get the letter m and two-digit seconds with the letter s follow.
3h34
